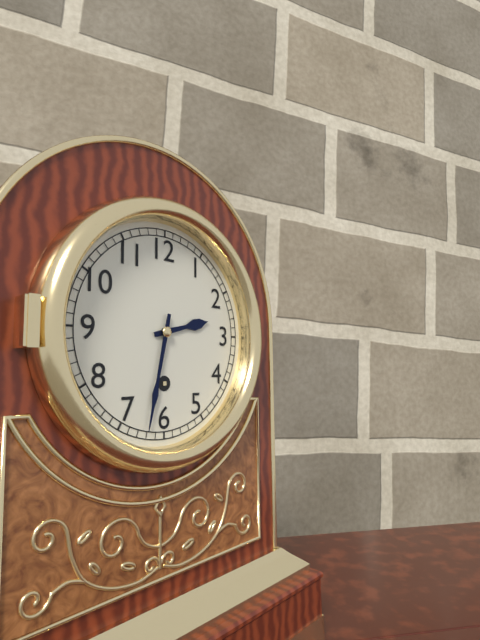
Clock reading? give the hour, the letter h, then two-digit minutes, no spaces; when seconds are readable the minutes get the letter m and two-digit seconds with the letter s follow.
2h32
